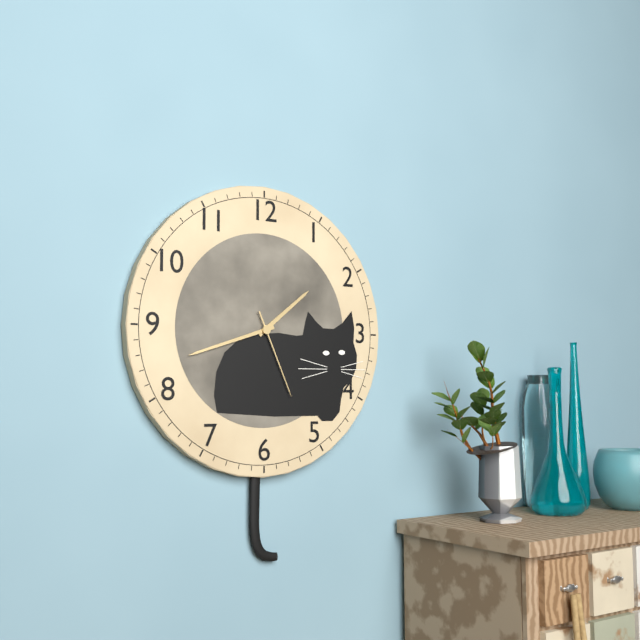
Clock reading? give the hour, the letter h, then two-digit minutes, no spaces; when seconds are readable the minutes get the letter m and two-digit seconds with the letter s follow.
1h42m26s
